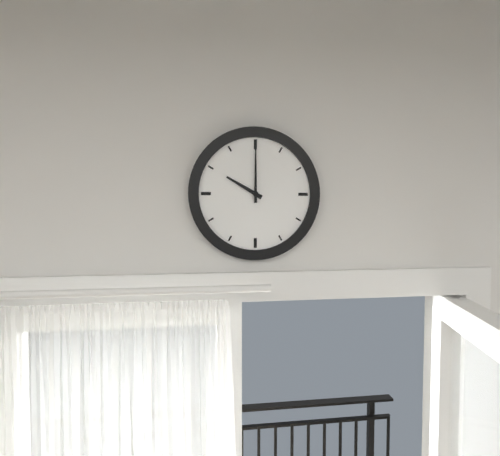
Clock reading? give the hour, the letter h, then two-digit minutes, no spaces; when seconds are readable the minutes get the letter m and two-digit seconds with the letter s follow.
10h00
